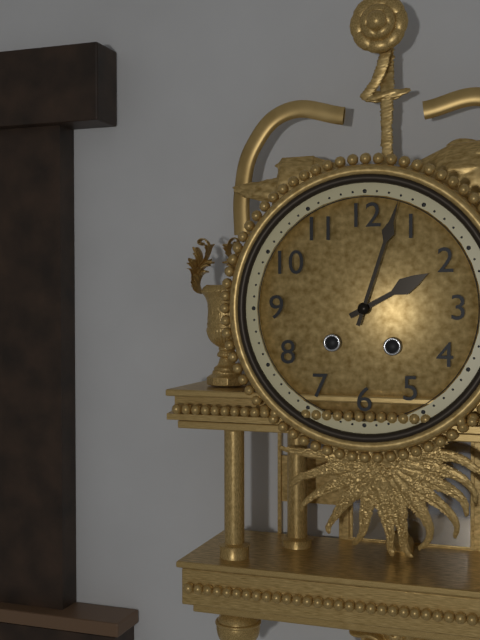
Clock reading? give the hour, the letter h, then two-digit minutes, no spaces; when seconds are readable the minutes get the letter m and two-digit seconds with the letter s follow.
2h03
